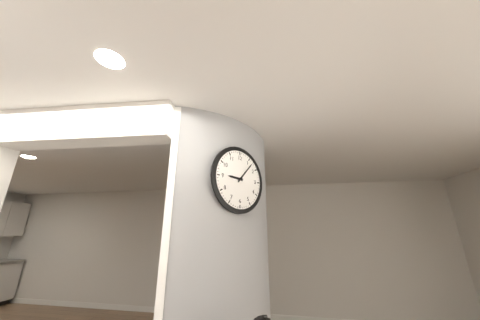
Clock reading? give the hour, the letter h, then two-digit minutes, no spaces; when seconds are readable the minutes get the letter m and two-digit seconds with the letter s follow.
9h07
